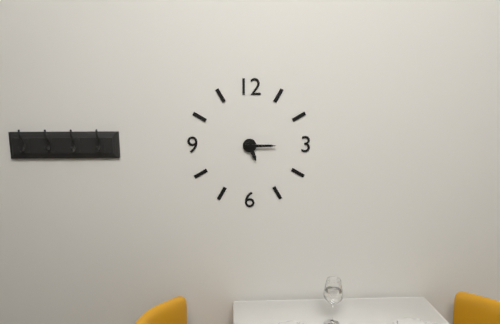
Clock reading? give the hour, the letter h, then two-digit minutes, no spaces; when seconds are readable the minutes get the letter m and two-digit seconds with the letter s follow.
5h15
